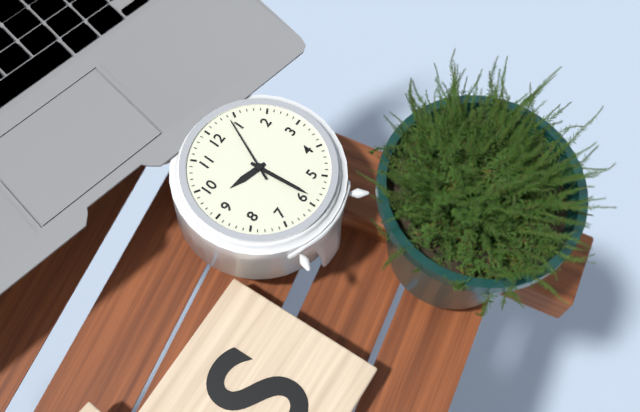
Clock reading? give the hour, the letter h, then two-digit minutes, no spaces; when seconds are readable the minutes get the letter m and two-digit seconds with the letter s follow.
9h29m04s
